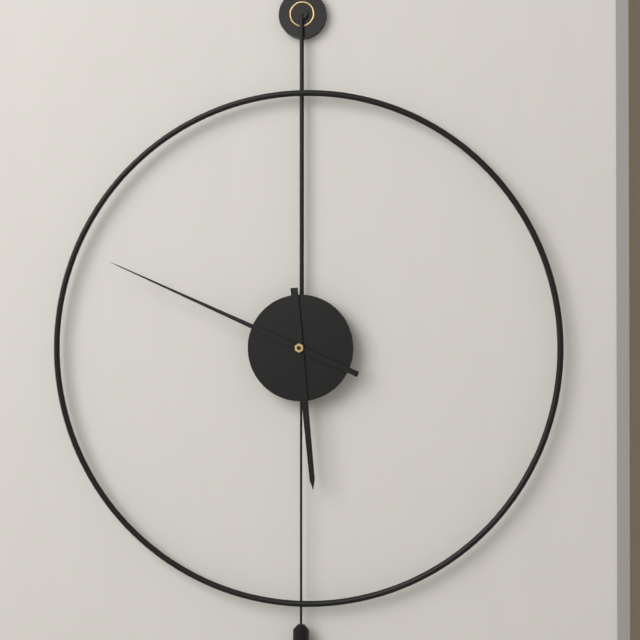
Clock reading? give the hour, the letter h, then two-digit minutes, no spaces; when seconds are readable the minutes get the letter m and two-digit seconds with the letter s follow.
5h49
